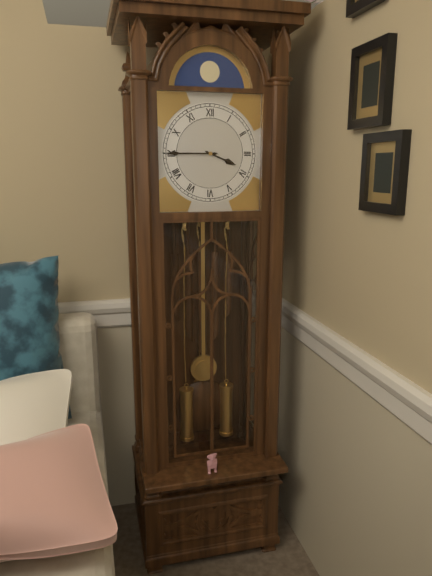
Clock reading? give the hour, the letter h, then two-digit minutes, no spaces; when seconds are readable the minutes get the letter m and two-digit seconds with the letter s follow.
3h45
